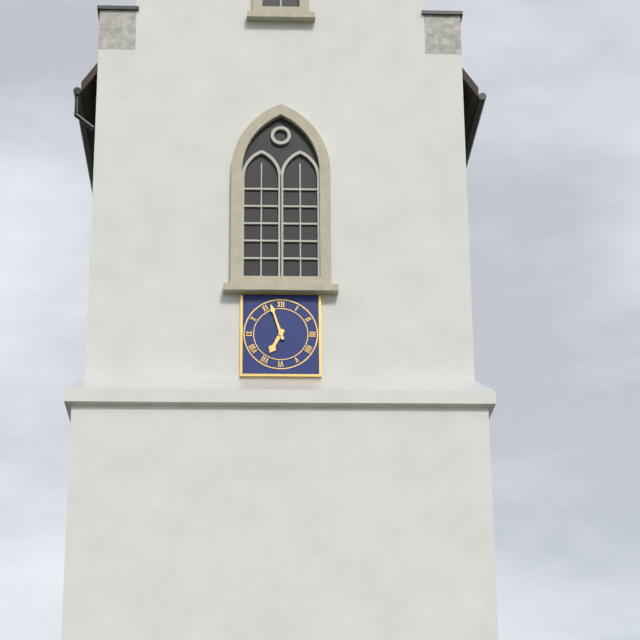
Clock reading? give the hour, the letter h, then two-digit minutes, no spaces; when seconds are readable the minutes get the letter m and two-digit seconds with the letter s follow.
6h57
